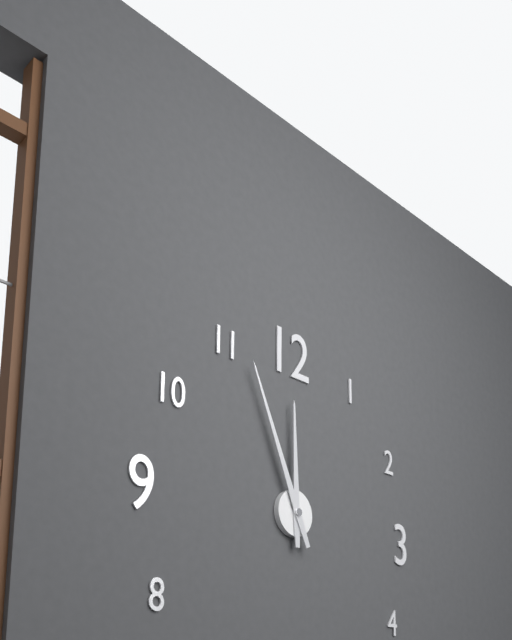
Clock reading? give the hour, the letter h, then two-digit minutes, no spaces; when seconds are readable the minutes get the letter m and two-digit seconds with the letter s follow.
11h56
